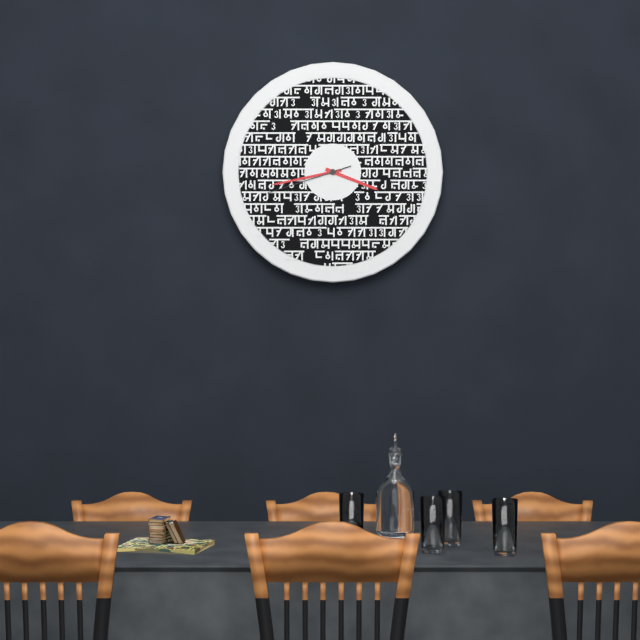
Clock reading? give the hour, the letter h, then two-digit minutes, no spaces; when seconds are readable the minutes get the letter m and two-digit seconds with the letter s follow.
3h43m42s
